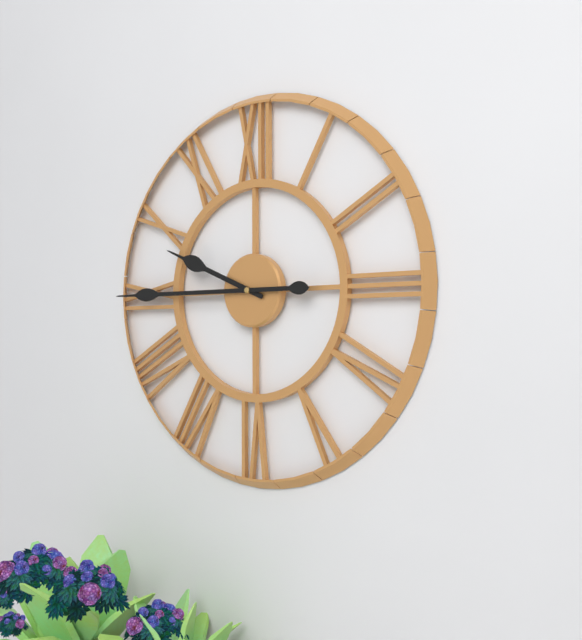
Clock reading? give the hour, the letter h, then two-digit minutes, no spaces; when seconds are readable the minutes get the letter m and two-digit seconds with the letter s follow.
9h45
